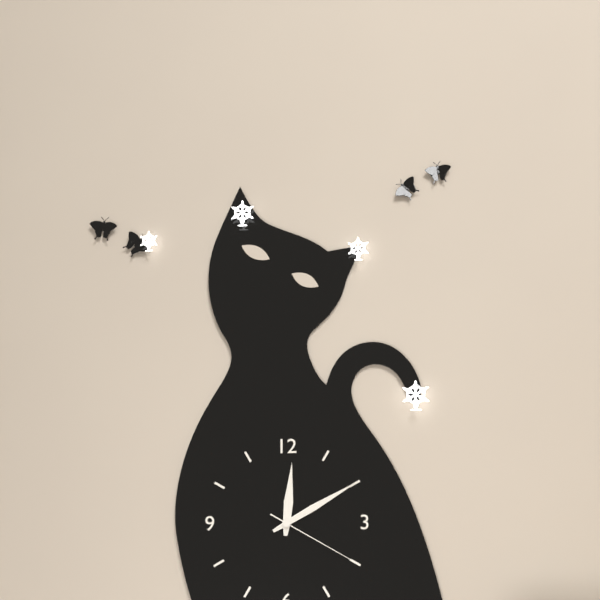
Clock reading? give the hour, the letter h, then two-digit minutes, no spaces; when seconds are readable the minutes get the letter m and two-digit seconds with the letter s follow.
12h10m20s
